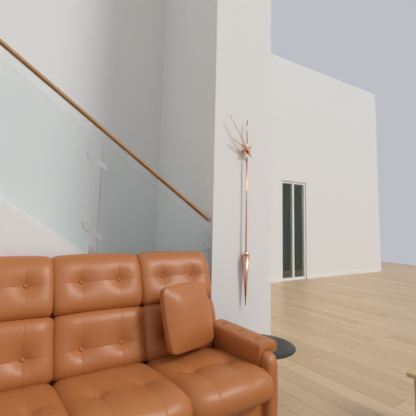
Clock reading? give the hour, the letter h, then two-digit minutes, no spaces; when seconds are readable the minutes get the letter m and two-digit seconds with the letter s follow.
9h54
